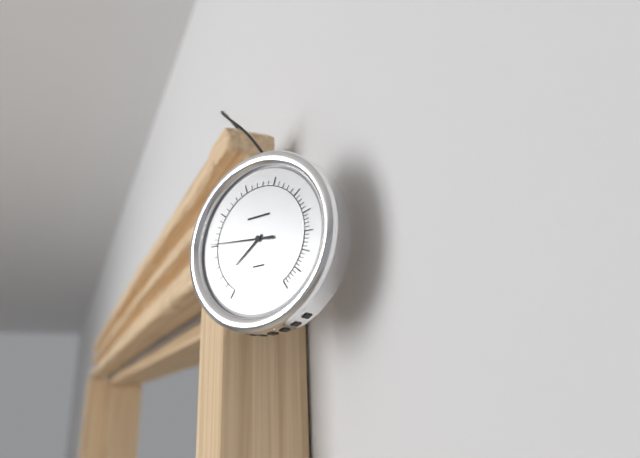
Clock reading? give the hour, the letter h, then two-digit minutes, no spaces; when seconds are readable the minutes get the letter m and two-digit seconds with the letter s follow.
7h46
